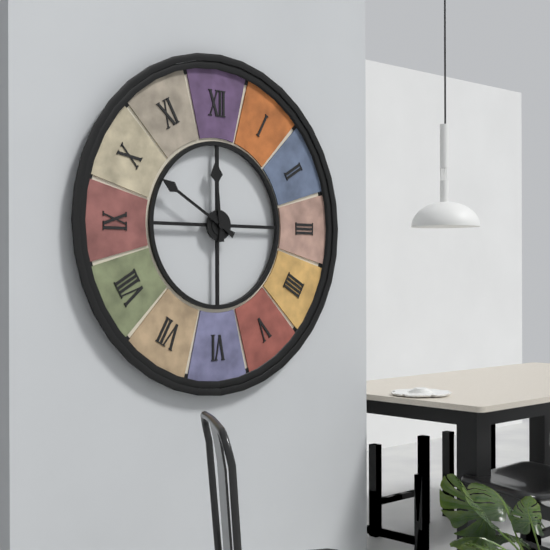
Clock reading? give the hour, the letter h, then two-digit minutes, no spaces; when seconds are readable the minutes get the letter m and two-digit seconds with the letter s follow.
11h50
